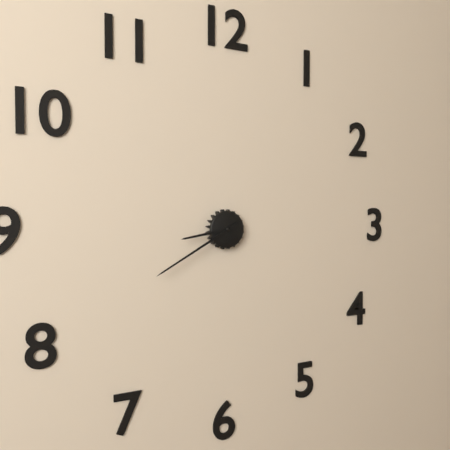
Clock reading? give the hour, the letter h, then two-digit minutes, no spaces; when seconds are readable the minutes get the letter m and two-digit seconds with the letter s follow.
8h40
